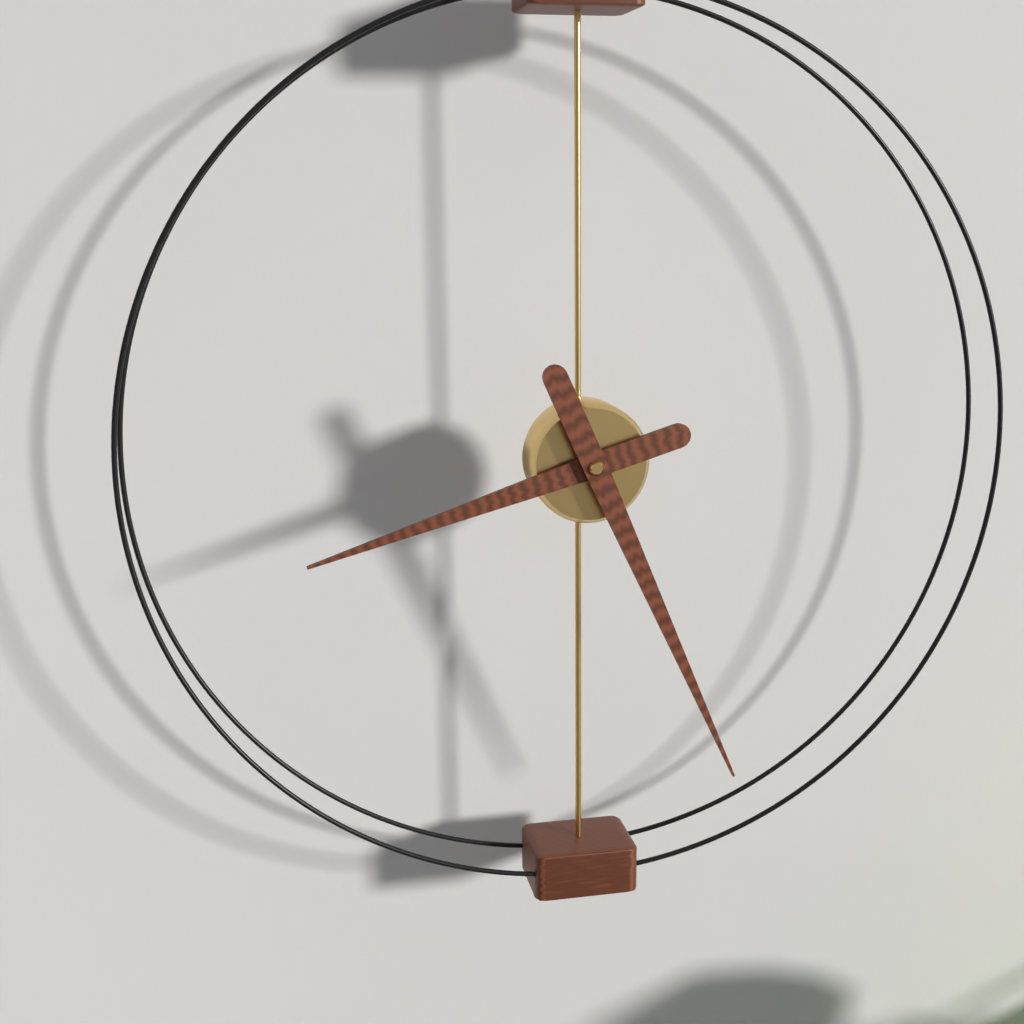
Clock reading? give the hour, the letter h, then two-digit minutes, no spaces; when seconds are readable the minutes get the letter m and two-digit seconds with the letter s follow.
8h26
